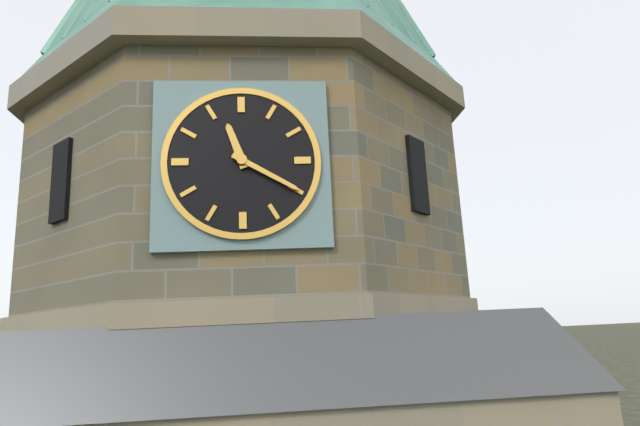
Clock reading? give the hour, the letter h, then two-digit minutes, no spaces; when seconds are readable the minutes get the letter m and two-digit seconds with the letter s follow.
11h20
